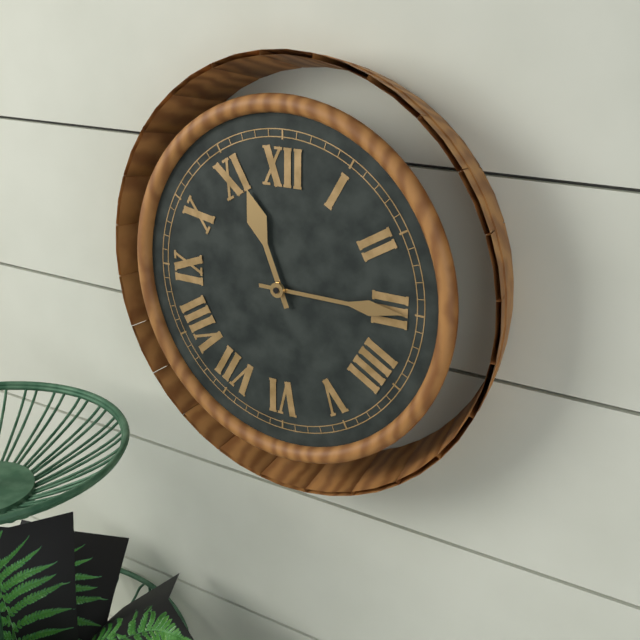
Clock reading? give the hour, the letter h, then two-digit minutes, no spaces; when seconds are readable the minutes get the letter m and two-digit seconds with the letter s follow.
11h15
